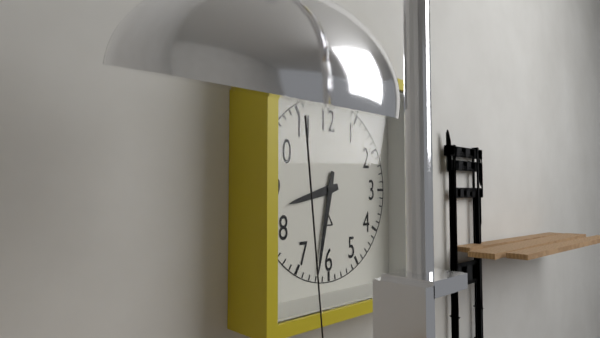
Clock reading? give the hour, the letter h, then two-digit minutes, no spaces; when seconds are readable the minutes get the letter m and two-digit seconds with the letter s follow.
8h32
